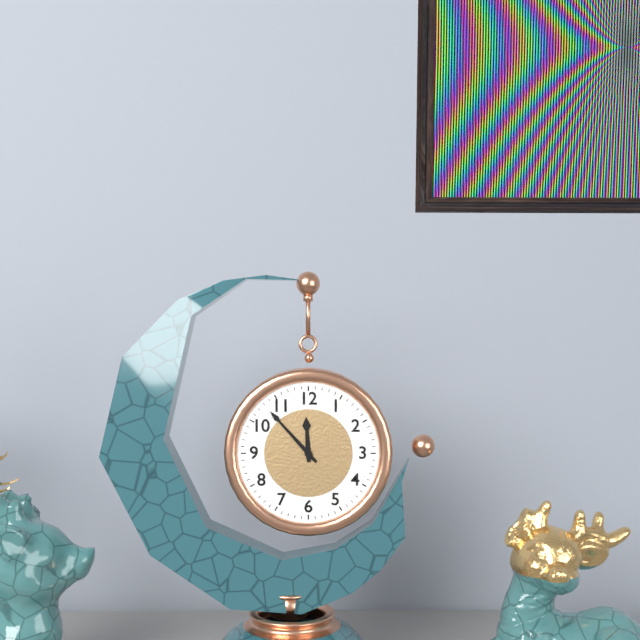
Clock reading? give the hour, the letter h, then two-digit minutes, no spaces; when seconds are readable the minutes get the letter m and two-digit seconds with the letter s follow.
11h53
